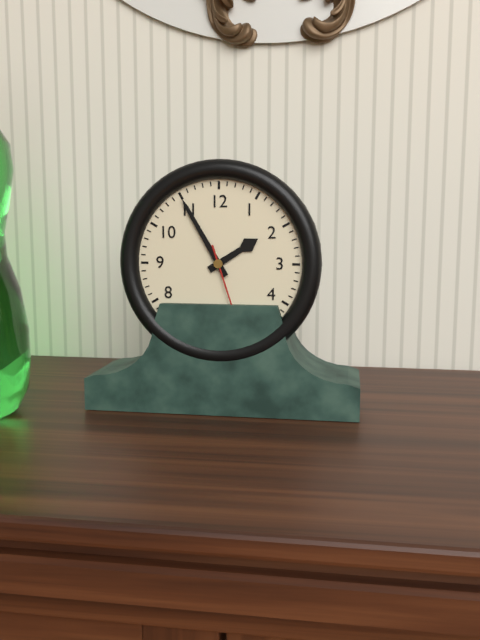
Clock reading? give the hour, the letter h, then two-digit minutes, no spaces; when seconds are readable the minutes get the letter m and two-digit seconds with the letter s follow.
1h55
